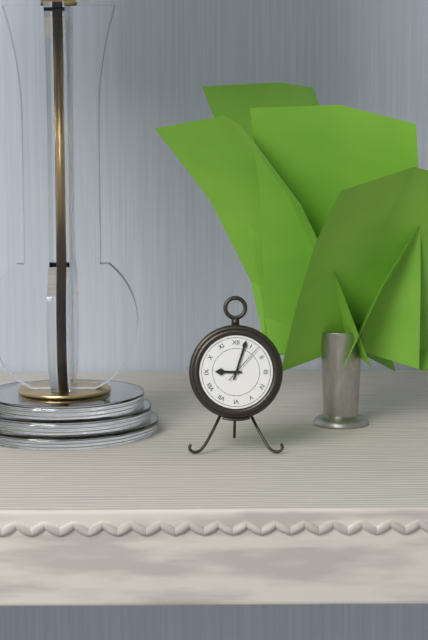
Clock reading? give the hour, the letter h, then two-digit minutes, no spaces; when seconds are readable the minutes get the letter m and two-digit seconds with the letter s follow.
9h03
